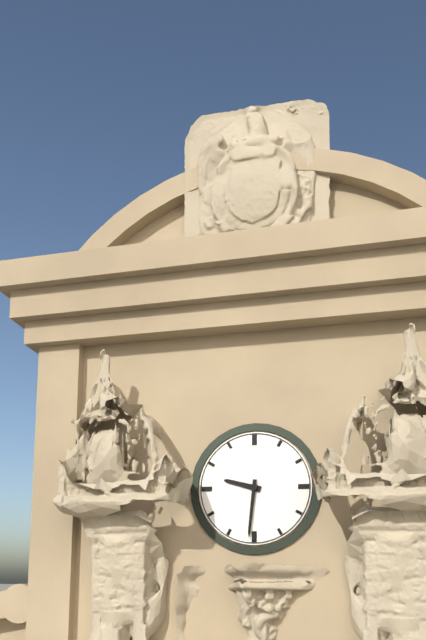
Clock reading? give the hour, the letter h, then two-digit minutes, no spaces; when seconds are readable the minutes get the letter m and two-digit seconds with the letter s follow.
9h31
